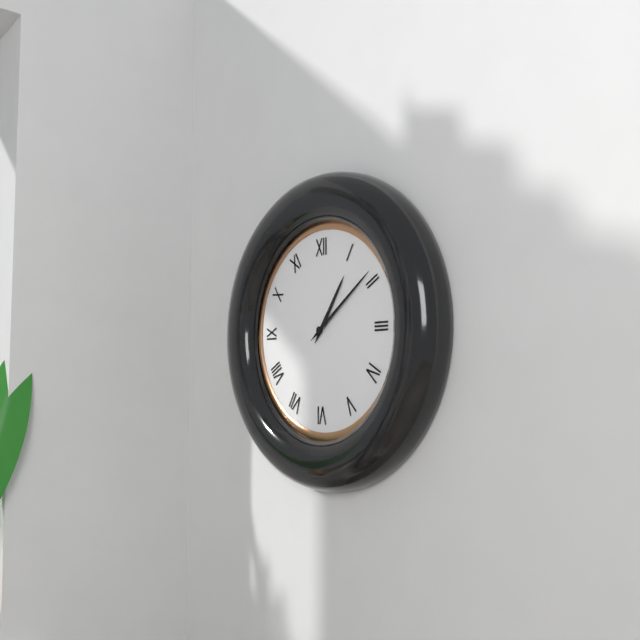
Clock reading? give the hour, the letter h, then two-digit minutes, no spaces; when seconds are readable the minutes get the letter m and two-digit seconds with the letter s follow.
1h09
